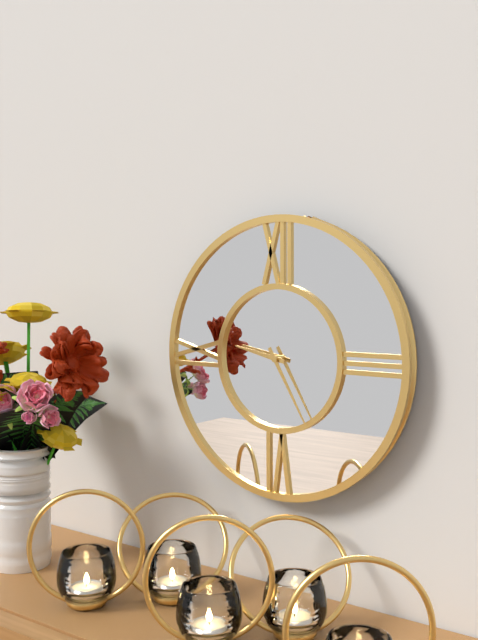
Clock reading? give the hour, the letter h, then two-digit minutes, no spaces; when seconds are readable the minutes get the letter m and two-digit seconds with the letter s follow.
9h25
